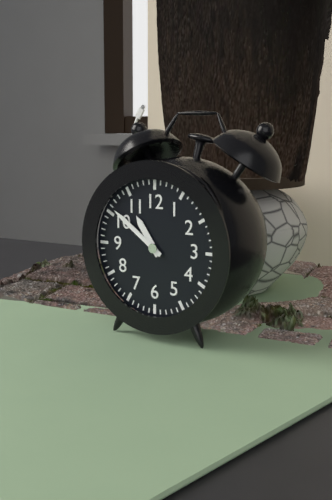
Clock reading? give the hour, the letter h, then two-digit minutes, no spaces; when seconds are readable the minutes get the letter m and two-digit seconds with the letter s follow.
10h51
